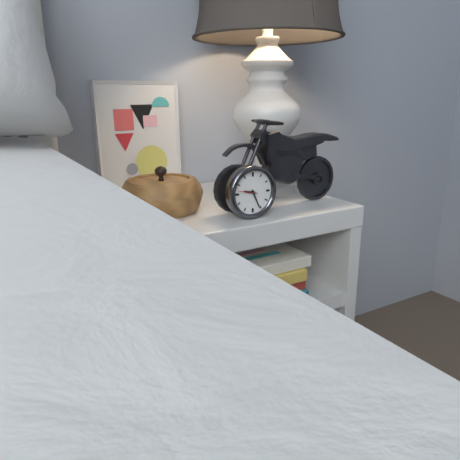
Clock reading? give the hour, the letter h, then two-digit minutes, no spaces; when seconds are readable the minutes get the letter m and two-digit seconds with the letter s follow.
9h26
